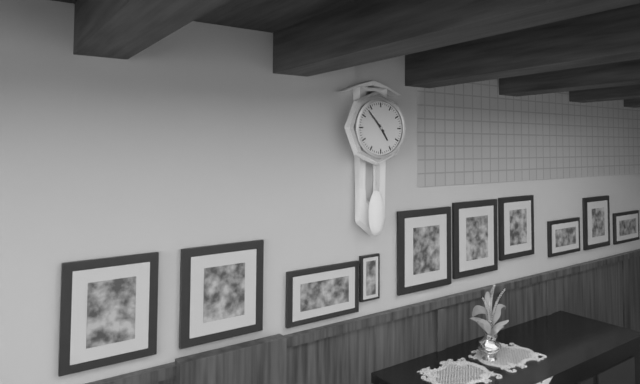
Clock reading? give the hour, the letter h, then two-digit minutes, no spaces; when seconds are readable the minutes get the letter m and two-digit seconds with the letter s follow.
4h53
